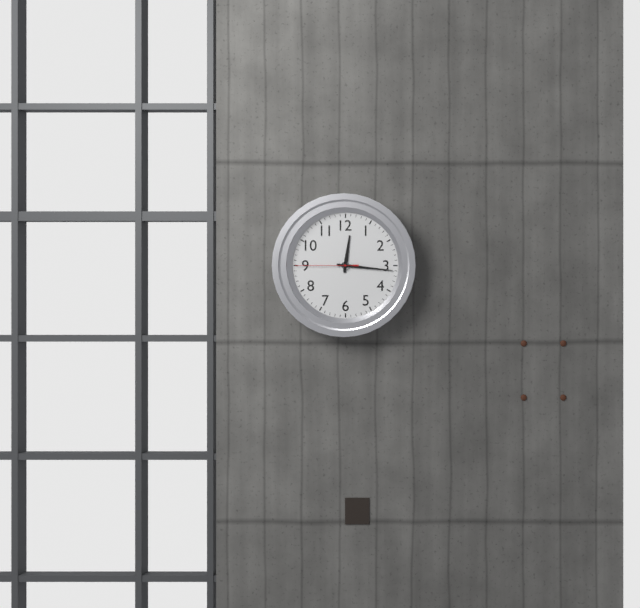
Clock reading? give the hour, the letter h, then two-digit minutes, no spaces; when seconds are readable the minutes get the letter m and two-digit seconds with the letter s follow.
12h16m45s
